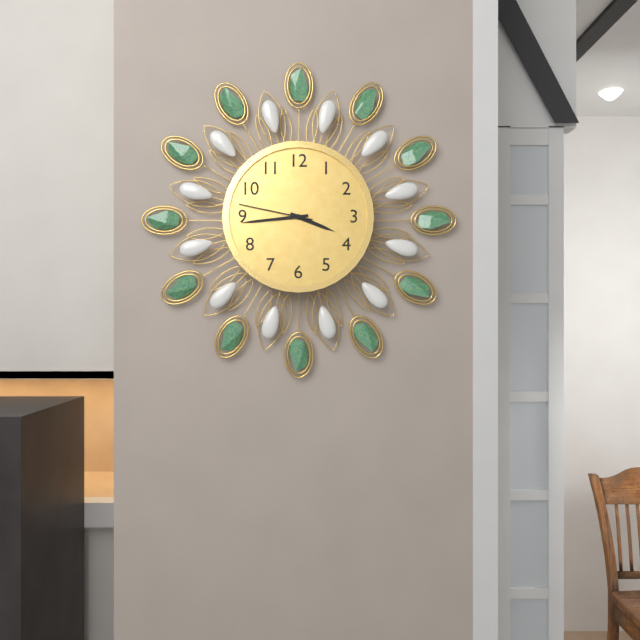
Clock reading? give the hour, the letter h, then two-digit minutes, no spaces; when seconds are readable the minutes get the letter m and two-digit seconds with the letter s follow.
3h44m47s
